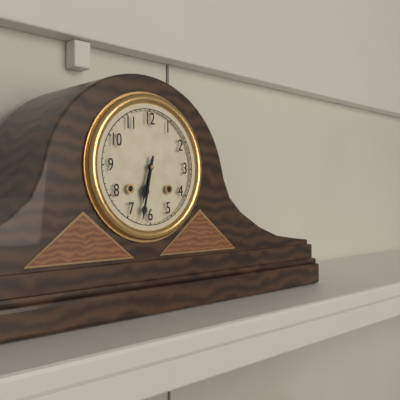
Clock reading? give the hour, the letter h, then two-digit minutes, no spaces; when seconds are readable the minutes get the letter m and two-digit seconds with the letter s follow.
6h32
